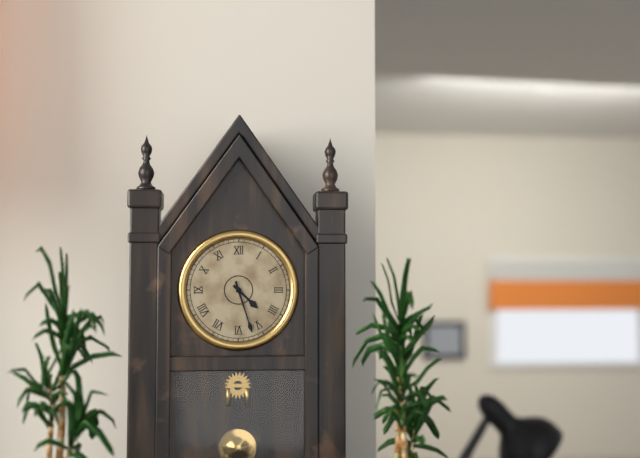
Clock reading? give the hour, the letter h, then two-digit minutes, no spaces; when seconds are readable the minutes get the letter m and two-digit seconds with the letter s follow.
4h27
